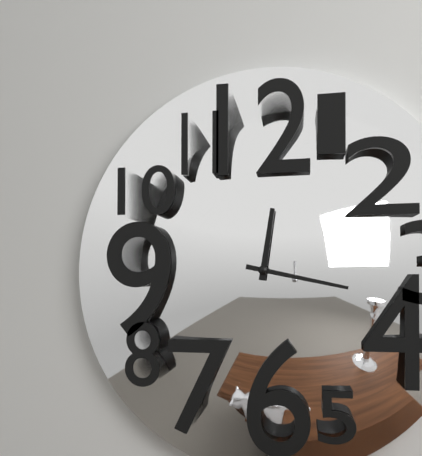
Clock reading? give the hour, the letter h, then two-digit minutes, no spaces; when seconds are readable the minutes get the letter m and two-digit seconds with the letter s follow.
12h17
